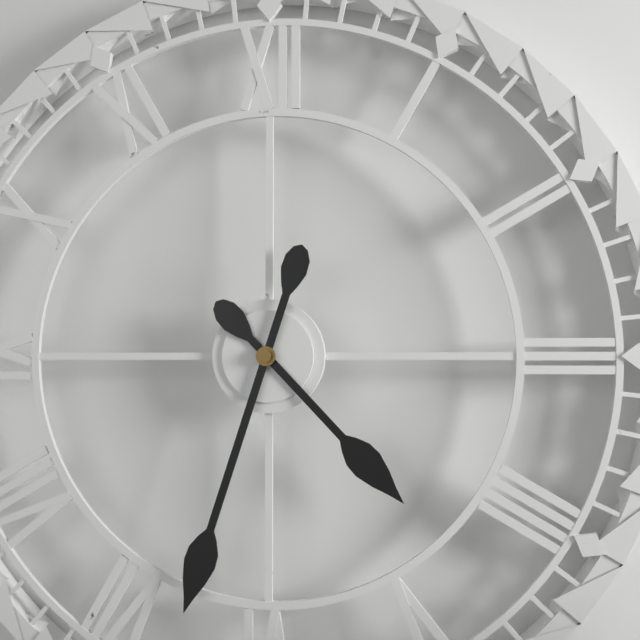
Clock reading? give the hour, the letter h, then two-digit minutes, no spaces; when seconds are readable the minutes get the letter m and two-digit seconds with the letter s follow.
4h33
